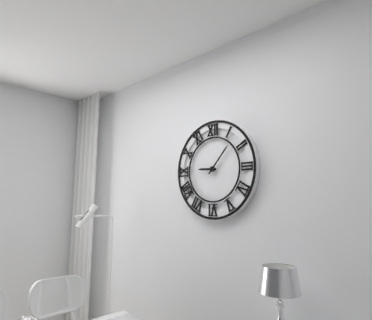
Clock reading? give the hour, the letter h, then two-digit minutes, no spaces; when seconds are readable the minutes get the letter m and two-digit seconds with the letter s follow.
9h07
